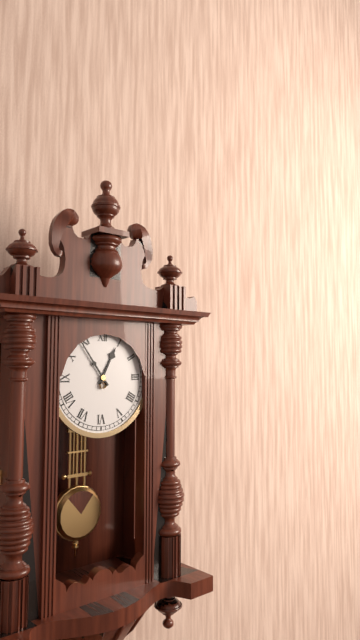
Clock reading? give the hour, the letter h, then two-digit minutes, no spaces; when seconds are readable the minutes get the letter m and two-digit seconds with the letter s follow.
12h54
